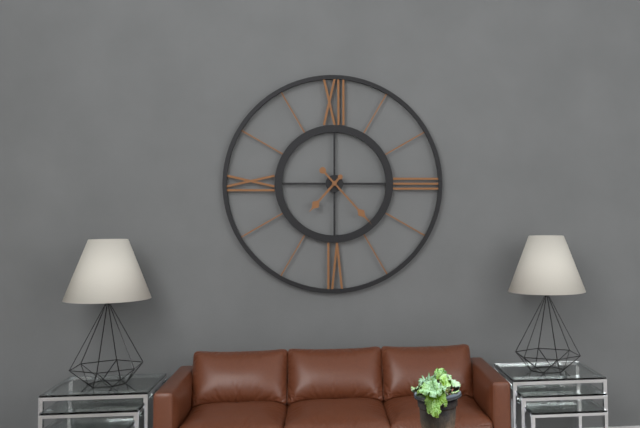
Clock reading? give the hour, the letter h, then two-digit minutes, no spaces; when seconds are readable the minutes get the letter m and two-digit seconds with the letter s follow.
7h23
